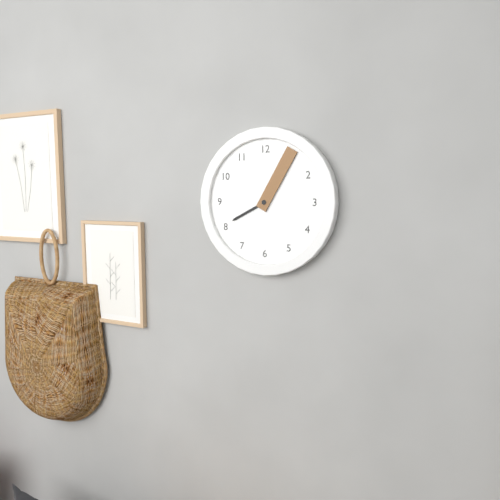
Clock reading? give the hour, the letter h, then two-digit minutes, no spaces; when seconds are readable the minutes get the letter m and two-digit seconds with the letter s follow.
8h05
